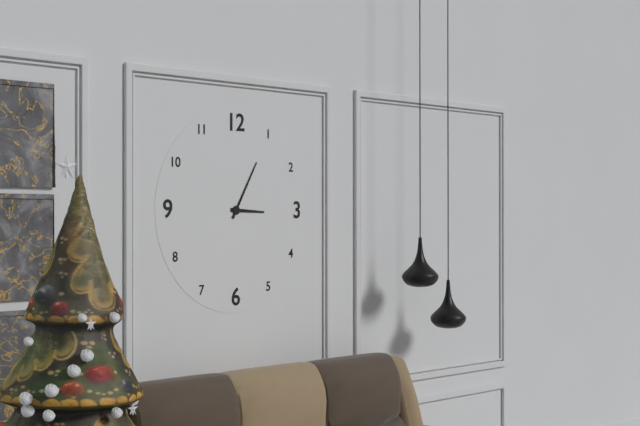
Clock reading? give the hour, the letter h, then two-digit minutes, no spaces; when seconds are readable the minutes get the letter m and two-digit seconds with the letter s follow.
3h05
